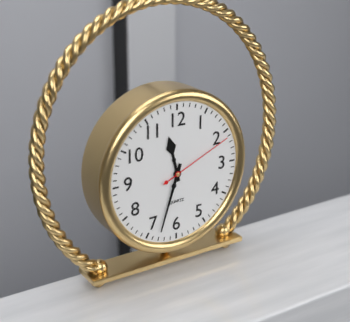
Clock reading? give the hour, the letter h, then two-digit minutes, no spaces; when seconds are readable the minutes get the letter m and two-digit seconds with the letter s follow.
11h33m11s
